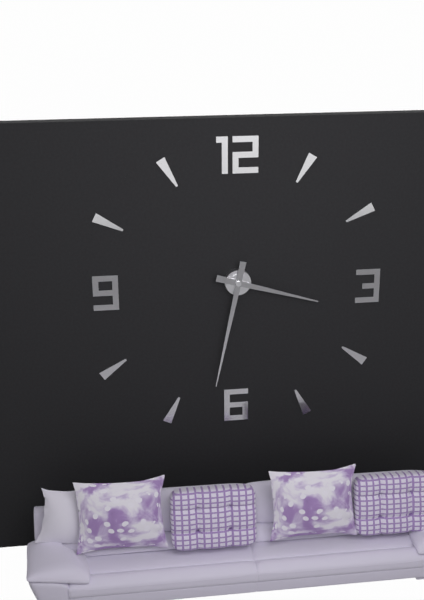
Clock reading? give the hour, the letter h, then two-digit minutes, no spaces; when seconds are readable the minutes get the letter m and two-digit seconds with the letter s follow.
3h32
